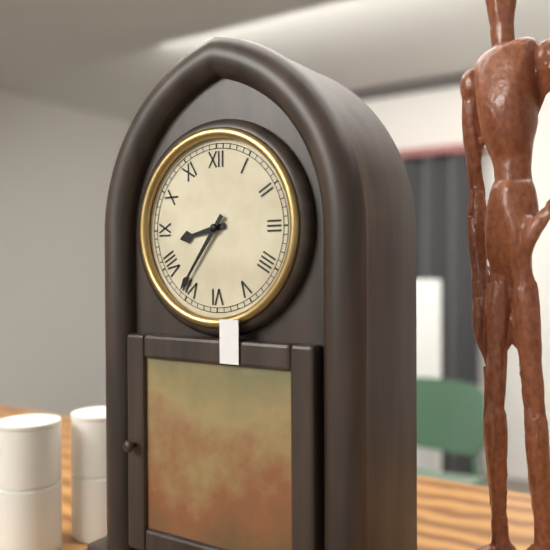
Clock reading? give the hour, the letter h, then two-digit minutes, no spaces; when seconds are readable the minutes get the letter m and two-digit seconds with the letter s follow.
8h36
